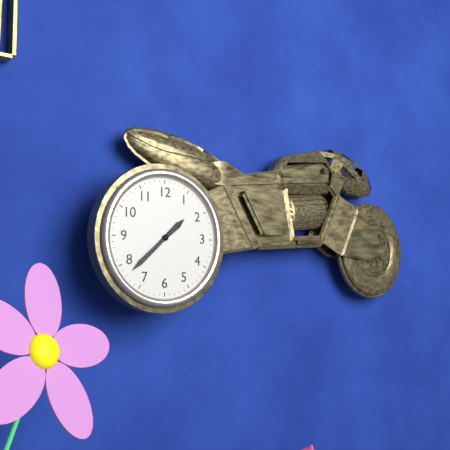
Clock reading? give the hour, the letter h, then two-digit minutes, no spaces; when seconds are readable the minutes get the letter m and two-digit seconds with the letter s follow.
1h38
